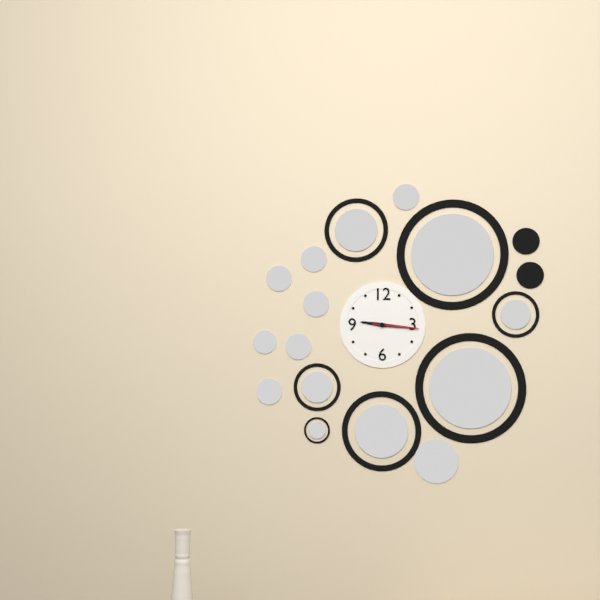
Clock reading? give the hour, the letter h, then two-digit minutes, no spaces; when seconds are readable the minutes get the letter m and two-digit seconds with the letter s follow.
9h16
